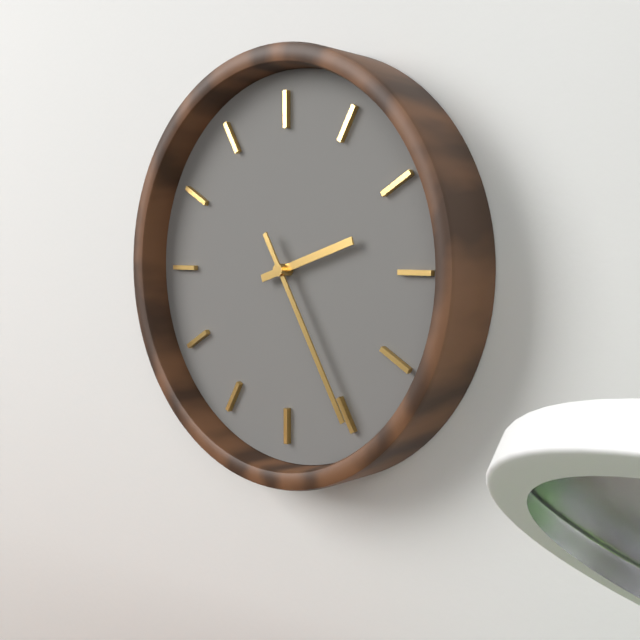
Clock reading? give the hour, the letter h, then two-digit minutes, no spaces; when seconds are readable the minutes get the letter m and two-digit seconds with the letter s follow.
2h25
